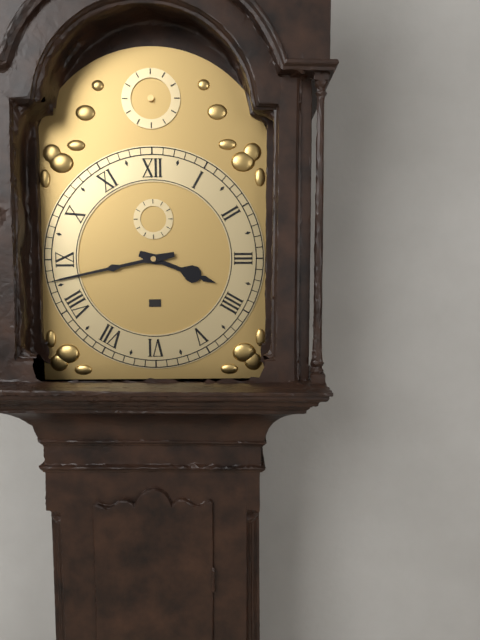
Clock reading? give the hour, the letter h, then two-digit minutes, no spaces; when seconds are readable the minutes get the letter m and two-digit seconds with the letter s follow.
3h43
